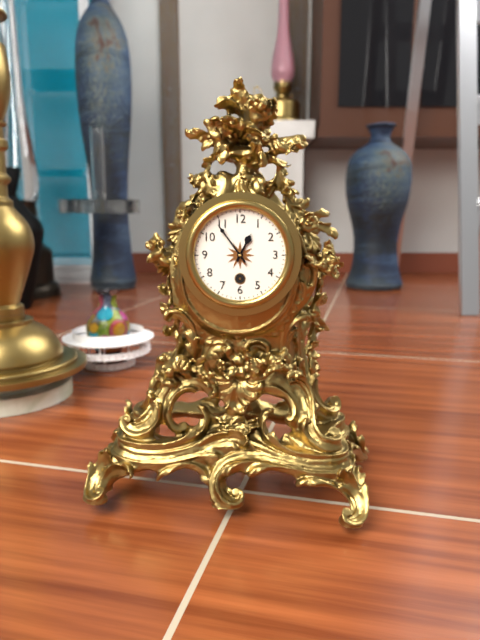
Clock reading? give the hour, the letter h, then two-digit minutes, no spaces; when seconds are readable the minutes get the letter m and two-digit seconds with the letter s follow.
12h54
